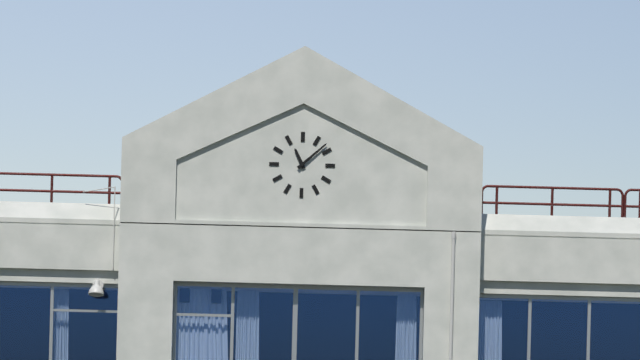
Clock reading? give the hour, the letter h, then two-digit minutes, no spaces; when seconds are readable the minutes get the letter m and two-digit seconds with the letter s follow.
11h08
